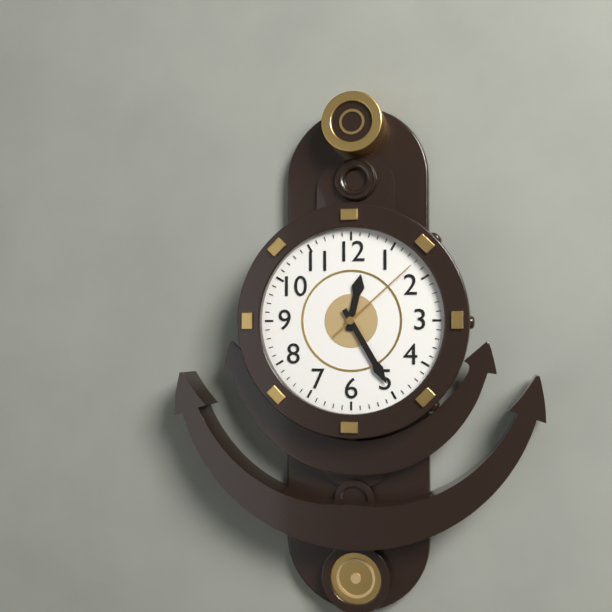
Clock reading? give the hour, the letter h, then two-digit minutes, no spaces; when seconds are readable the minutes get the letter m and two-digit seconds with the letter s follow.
12h25m08s
